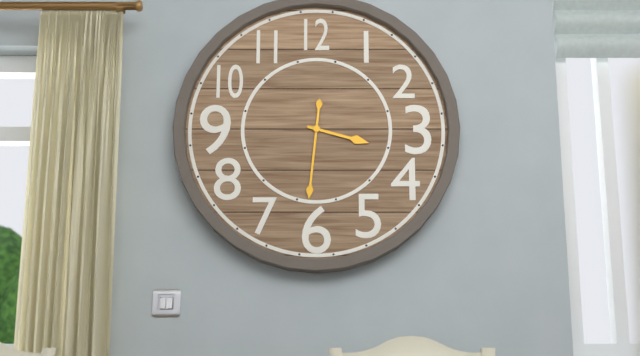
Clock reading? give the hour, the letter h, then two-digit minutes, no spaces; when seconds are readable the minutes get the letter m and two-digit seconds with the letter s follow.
3h31
